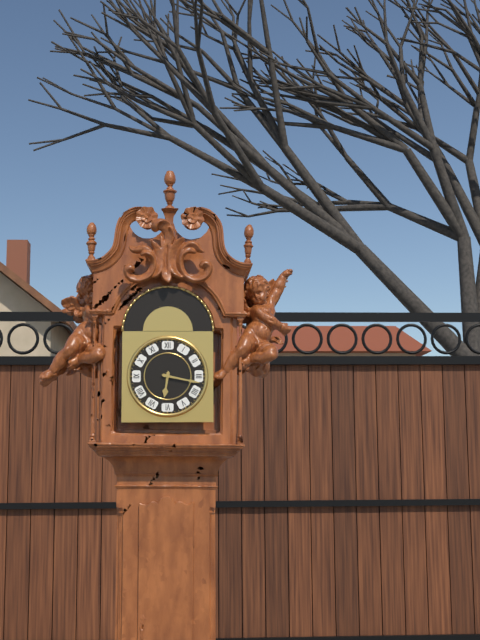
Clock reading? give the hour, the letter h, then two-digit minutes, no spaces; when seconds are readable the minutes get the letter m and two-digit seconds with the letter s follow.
6h17
